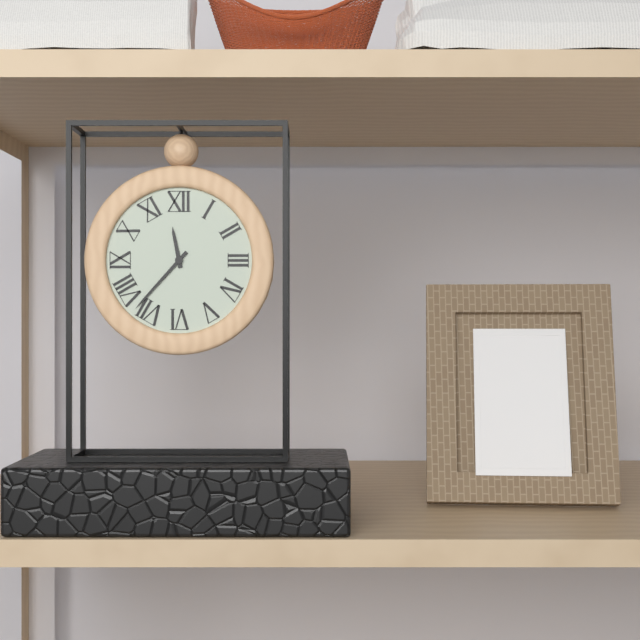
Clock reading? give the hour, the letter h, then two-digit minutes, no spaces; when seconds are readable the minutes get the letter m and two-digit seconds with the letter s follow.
11h37
